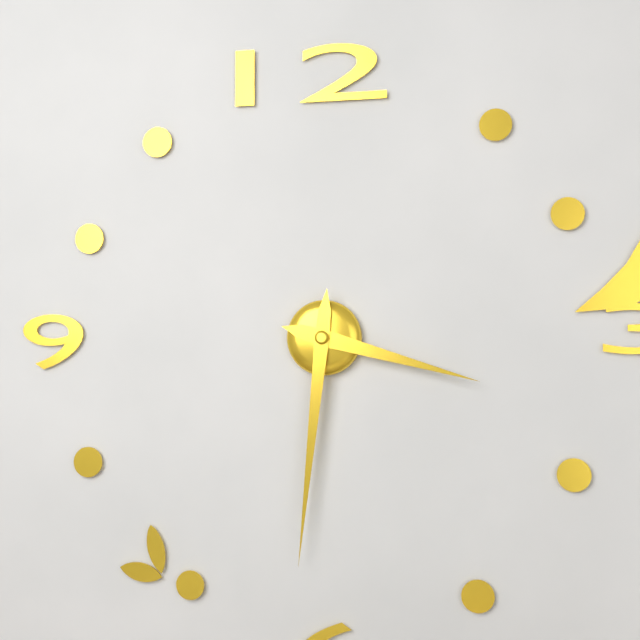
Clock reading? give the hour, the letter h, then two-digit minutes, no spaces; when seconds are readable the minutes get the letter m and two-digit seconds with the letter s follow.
3h31
